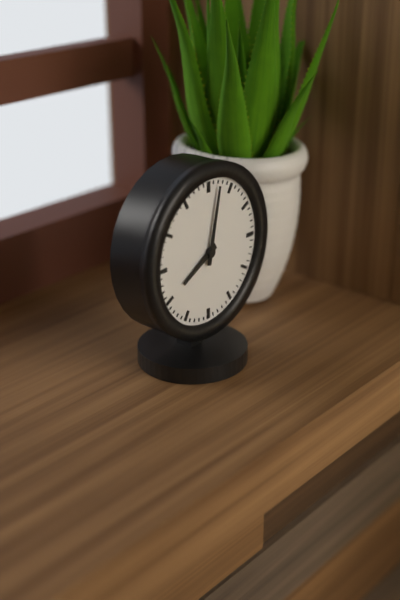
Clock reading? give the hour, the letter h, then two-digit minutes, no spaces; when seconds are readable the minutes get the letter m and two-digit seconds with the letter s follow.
8h02
